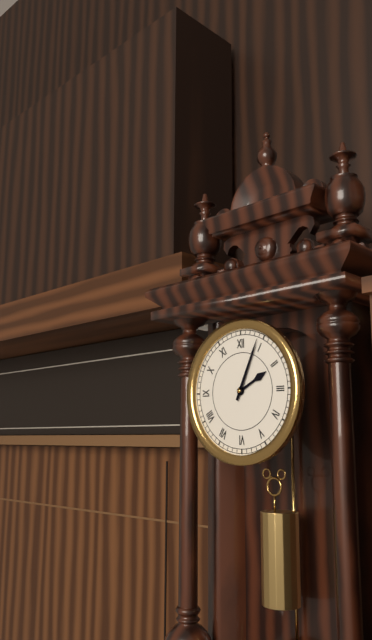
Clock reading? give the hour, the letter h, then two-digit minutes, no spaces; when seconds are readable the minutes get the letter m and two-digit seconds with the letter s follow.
2h04
